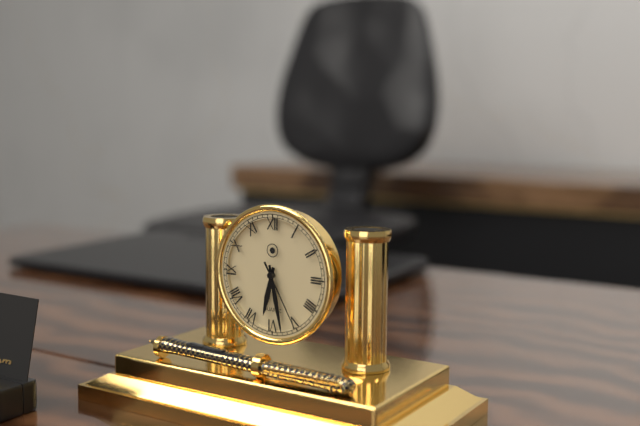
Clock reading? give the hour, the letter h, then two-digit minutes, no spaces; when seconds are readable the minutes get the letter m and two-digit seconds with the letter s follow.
6h28m25s
